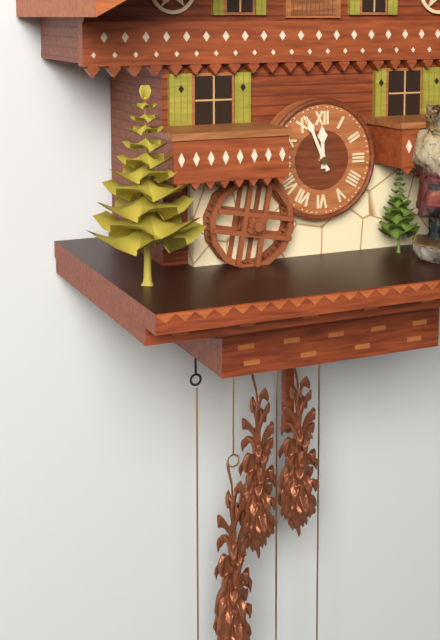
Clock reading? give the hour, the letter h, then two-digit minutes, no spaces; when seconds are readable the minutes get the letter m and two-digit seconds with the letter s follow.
11h56
